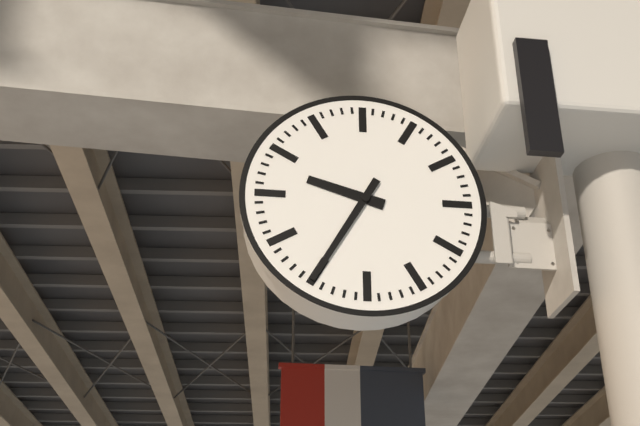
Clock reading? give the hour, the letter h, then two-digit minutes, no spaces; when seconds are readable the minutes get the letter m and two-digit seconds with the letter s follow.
9h35
